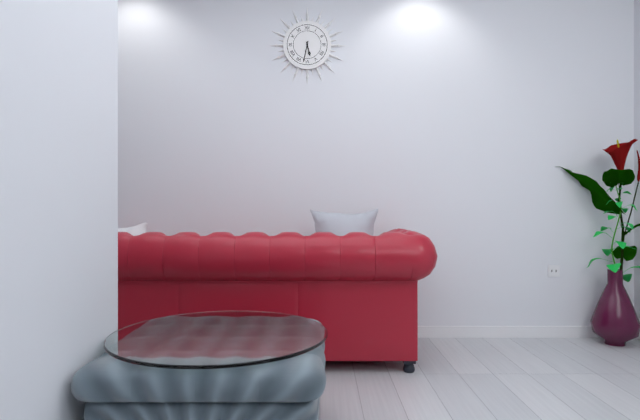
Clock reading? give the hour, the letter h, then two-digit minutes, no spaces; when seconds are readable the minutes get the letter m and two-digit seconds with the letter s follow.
5h32
